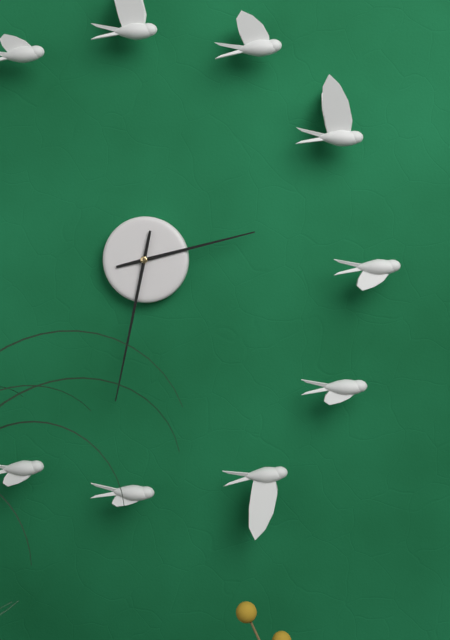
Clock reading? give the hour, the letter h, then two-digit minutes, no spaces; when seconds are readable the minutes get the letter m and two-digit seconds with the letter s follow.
2h32
